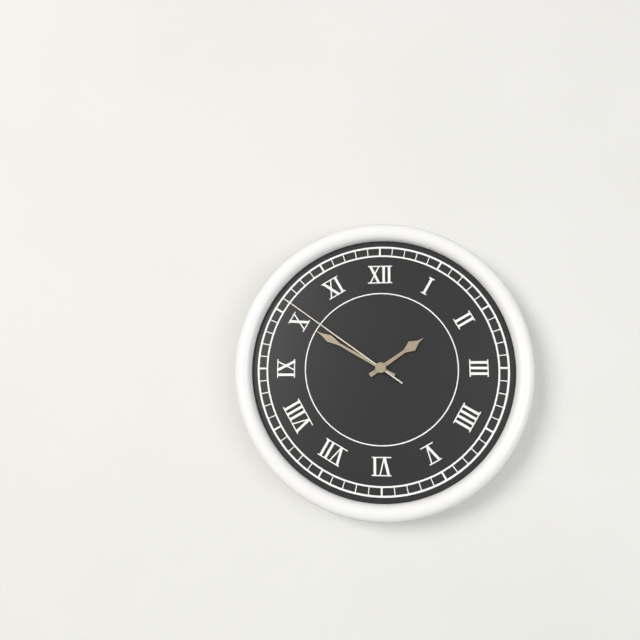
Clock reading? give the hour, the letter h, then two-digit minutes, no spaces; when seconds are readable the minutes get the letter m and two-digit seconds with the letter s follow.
1h50m51s
